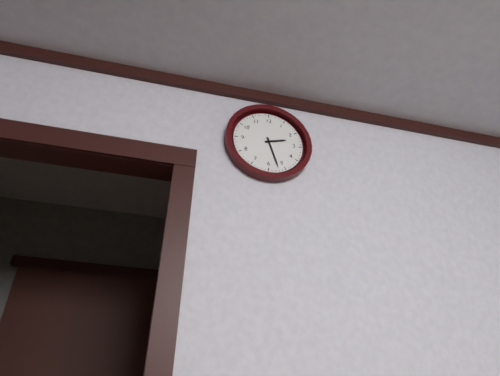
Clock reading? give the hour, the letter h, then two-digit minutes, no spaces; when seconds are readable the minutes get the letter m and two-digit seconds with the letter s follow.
2h27
